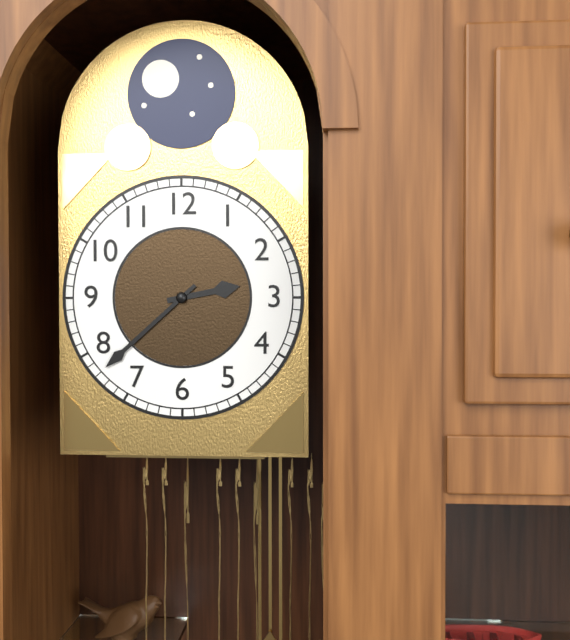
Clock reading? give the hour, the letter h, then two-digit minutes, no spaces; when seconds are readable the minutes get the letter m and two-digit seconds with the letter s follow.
2h38
